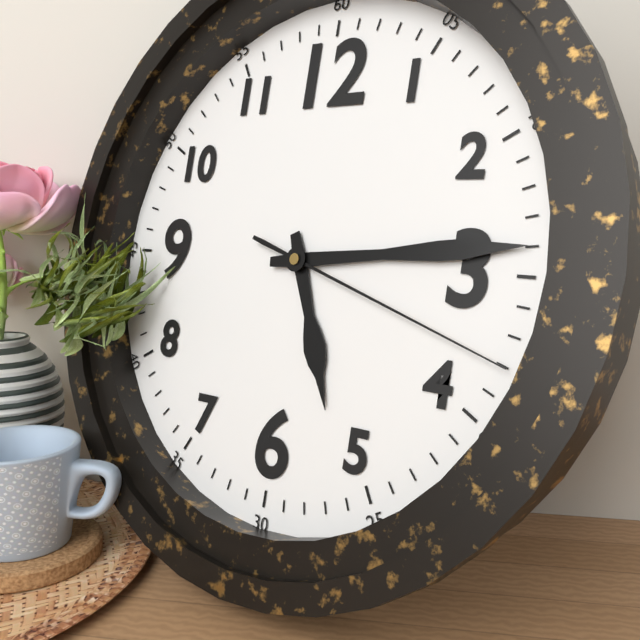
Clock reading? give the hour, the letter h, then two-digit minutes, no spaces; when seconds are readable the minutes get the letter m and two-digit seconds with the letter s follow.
5h14m18s
